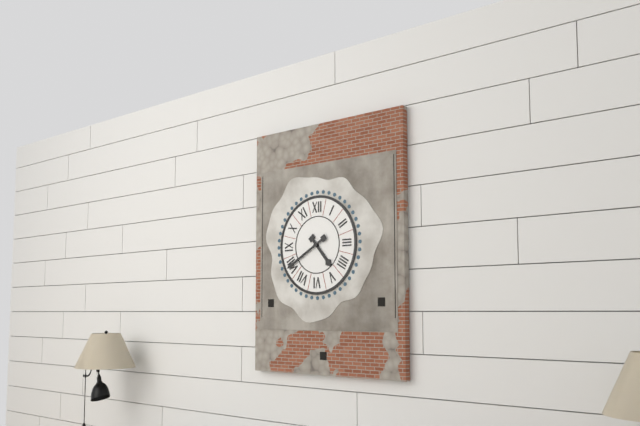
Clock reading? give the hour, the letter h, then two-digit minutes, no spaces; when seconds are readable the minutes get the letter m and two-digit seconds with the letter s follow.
4h40
